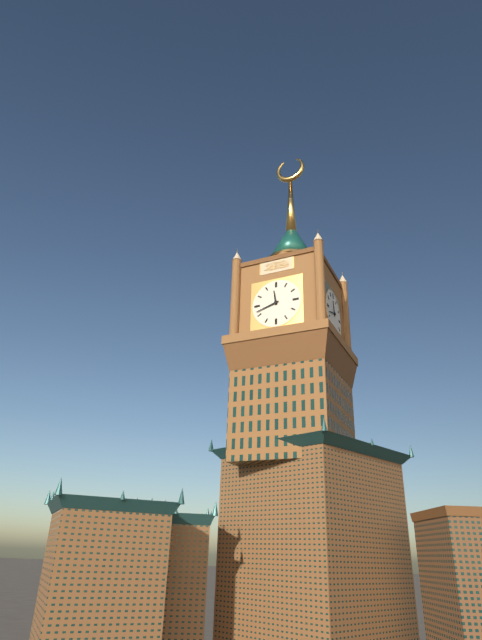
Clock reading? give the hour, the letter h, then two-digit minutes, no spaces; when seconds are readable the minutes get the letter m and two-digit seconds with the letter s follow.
11h42
